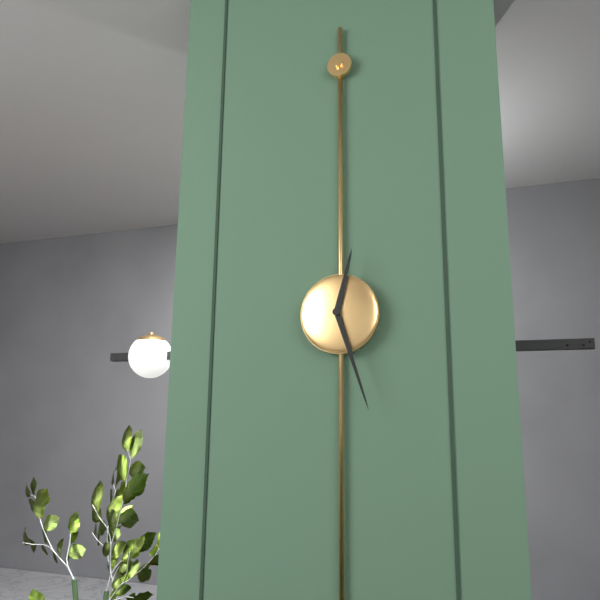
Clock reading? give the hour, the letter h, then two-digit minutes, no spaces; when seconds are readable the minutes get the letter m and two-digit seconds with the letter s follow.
12h27
